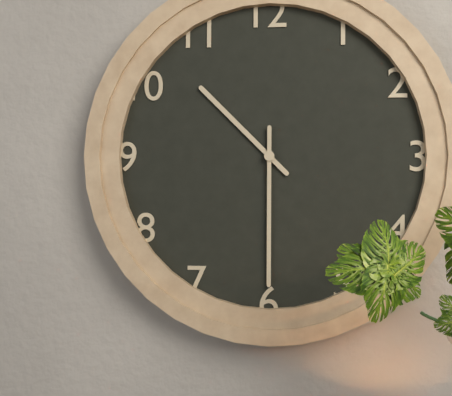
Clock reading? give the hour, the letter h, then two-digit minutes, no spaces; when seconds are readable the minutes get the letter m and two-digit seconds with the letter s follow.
10h30
